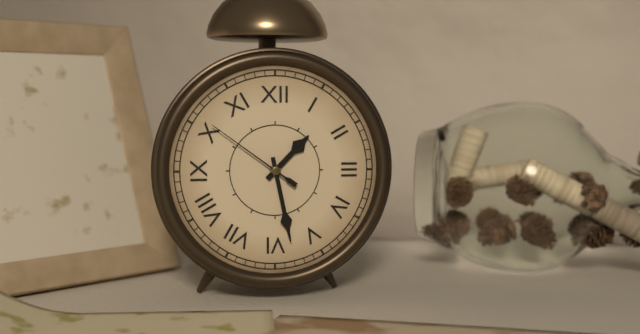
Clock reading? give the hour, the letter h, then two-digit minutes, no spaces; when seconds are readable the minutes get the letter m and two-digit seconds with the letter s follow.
1h28m51s
